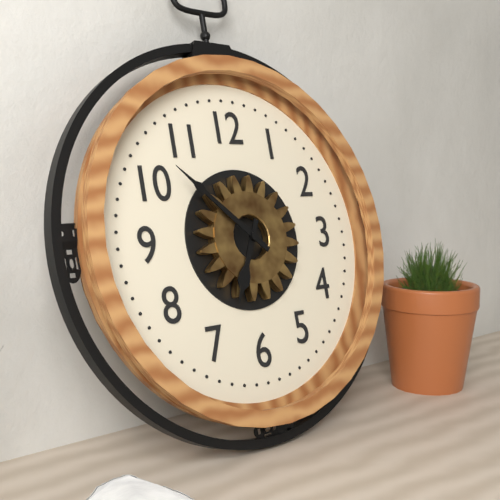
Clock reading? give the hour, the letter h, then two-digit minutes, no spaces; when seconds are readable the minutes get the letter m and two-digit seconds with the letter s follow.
6h52
